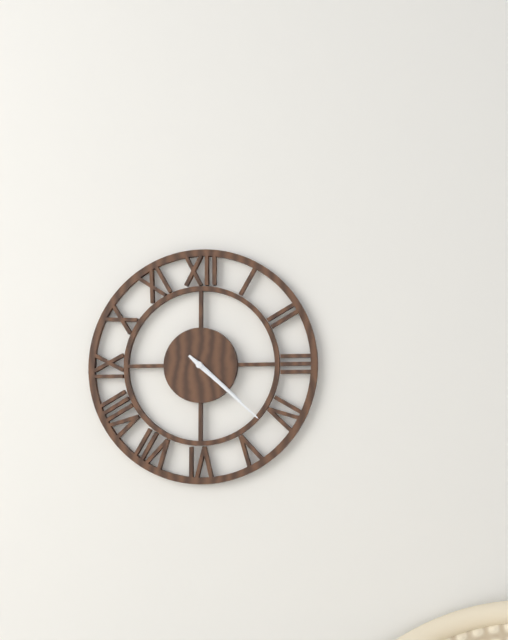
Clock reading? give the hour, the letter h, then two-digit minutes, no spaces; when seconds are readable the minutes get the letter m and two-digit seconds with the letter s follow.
4h22
